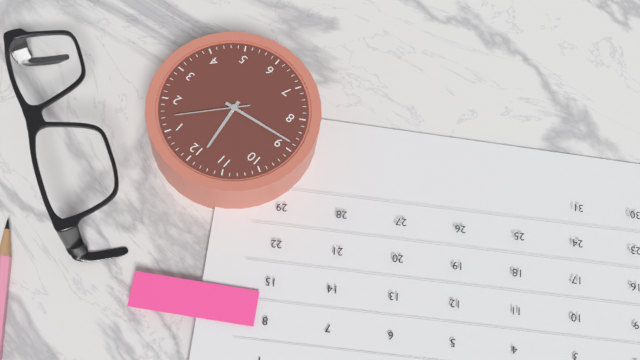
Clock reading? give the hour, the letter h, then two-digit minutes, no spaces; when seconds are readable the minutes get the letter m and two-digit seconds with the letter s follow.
11h44m07s
